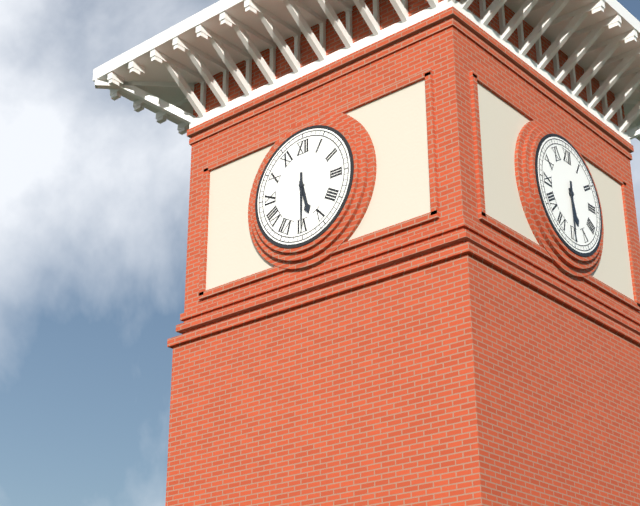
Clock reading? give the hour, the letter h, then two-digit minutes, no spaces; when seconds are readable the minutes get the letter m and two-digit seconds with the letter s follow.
5h30
